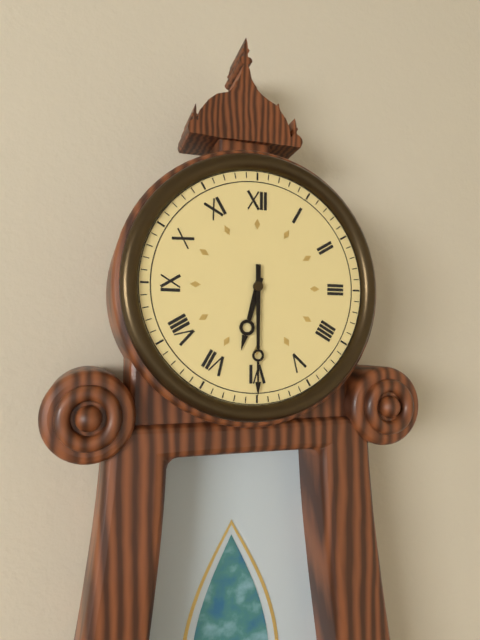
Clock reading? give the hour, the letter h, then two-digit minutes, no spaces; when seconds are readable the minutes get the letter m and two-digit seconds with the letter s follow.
6h30
